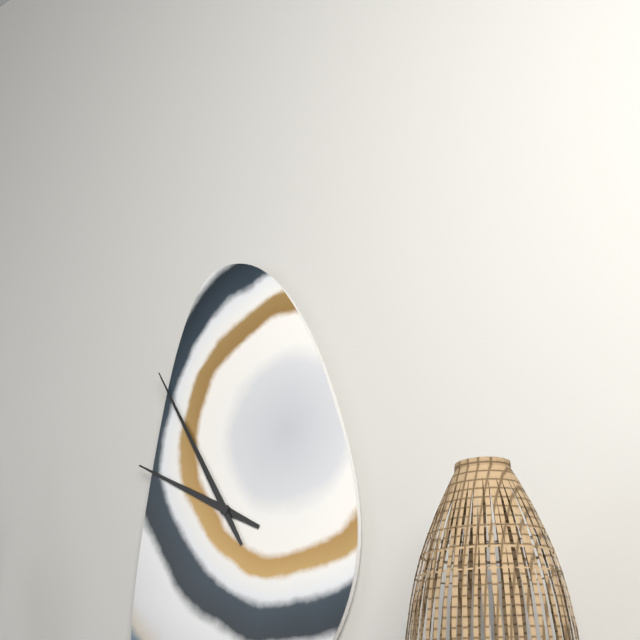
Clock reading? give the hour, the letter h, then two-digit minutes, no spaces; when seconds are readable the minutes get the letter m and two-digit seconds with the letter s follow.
9h55
